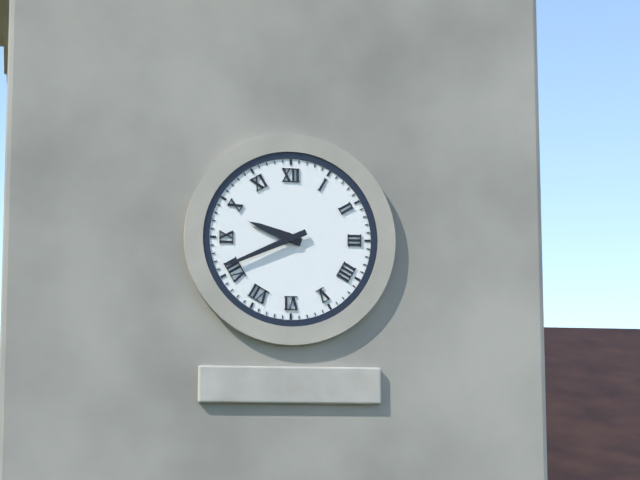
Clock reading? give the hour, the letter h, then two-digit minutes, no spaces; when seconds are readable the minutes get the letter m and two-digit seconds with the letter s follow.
9h41
